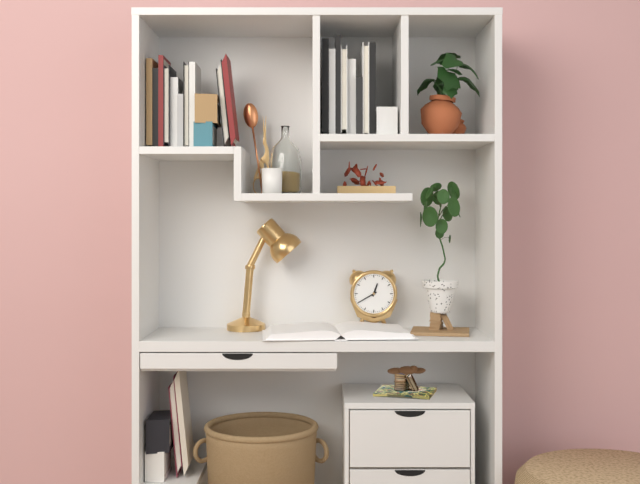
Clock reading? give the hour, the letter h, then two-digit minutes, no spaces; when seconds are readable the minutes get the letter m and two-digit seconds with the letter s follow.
12h40
